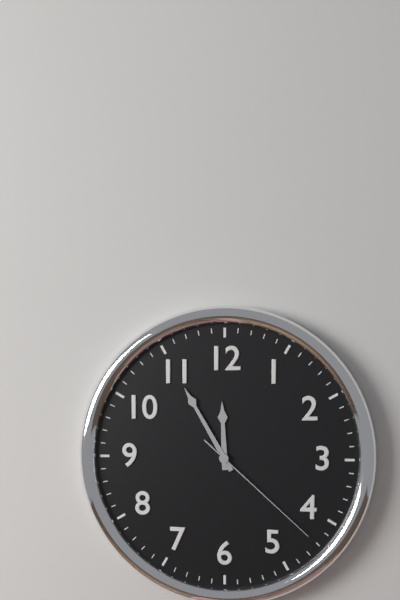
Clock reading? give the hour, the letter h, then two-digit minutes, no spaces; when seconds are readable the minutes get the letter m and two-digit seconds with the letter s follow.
11h55m22s
